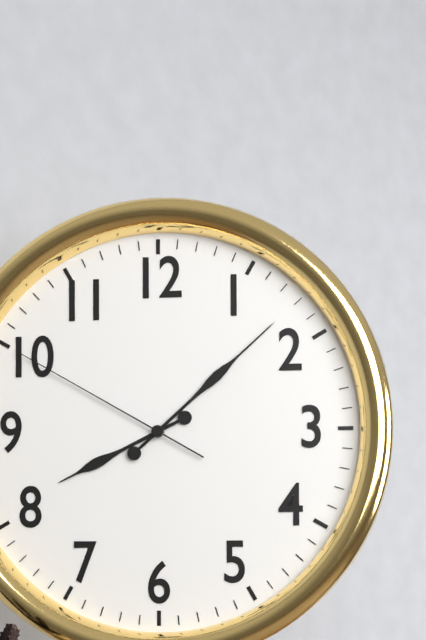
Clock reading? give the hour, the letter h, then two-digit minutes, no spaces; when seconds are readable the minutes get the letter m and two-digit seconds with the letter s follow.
8h08m50s
